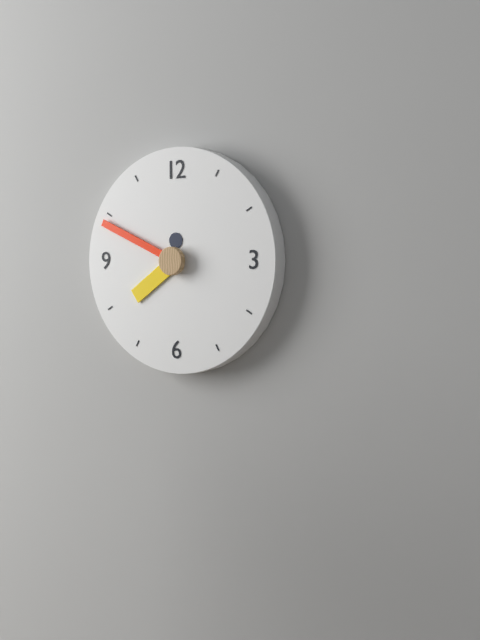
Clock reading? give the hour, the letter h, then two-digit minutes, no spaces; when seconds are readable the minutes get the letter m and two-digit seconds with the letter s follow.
7h49
